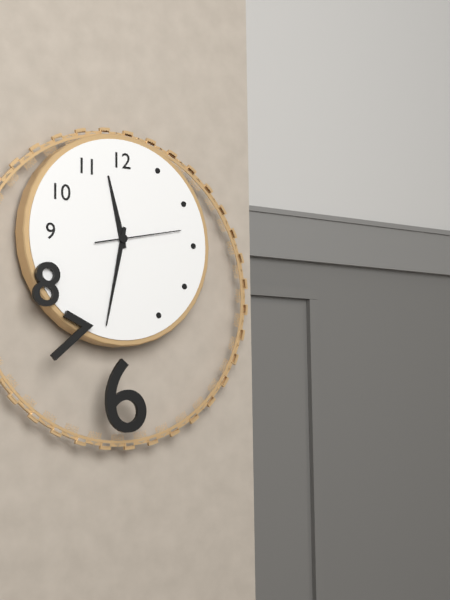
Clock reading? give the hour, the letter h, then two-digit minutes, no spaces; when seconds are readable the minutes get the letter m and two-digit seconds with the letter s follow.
11h32m13s
